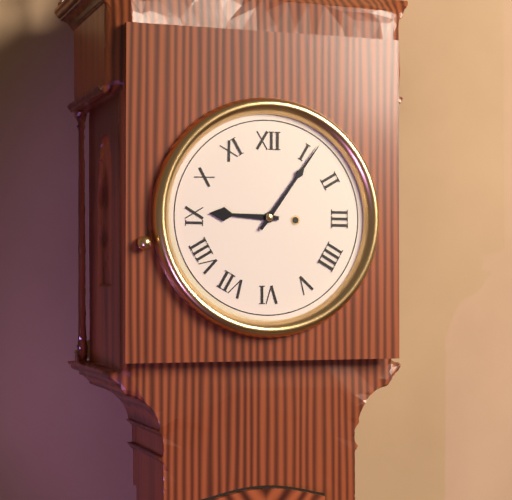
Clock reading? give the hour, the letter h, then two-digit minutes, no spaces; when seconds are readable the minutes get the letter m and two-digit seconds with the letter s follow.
9h06
